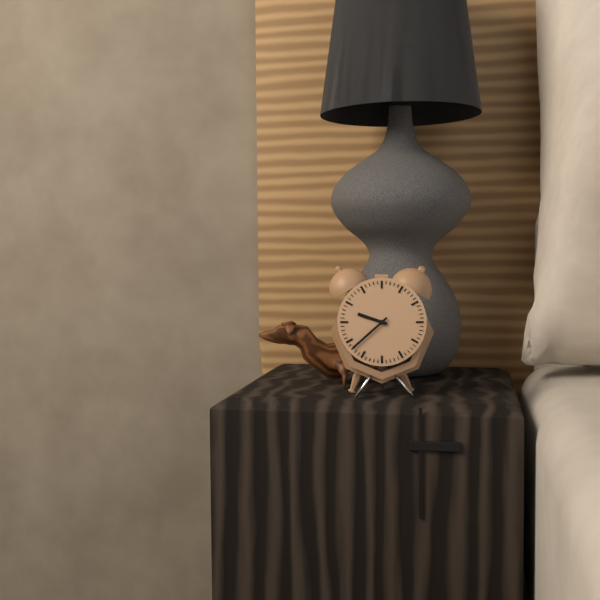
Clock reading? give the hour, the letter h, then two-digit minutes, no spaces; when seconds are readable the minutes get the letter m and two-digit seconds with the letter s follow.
9h38
